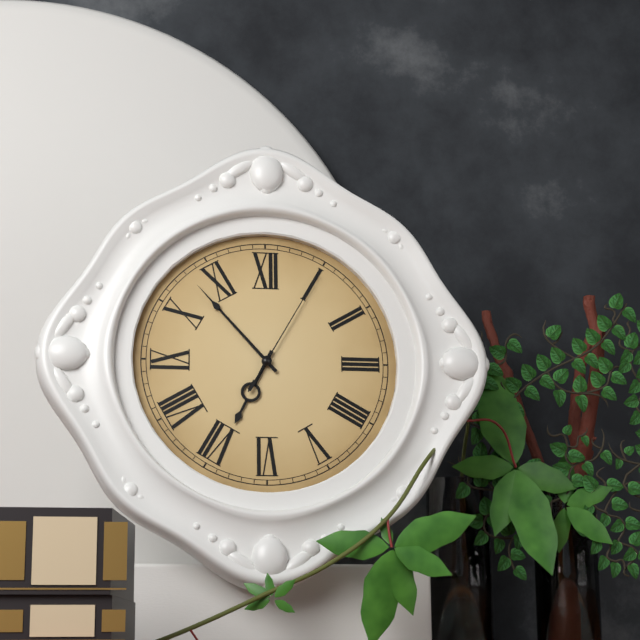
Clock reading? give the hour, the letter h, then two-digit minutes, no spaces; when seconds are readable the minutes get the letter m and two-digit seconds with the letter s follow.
6h53m05s
